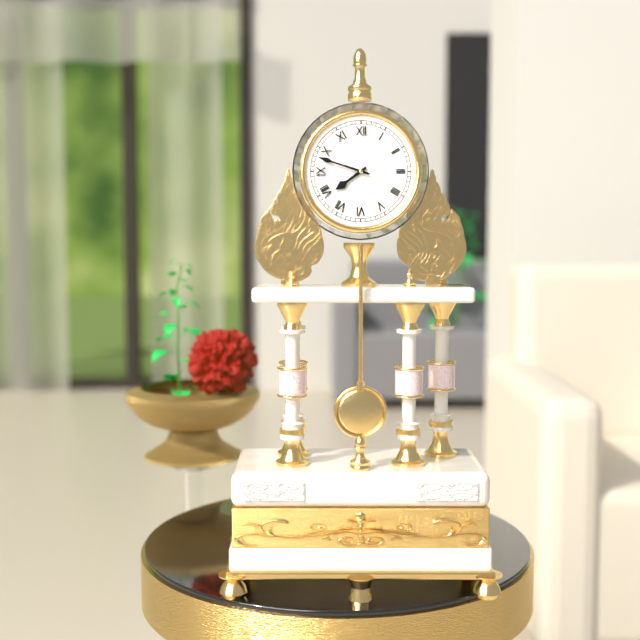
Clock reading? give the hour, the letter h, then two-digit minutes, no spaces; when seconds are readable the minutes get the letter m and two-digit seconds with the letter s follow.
7h48
